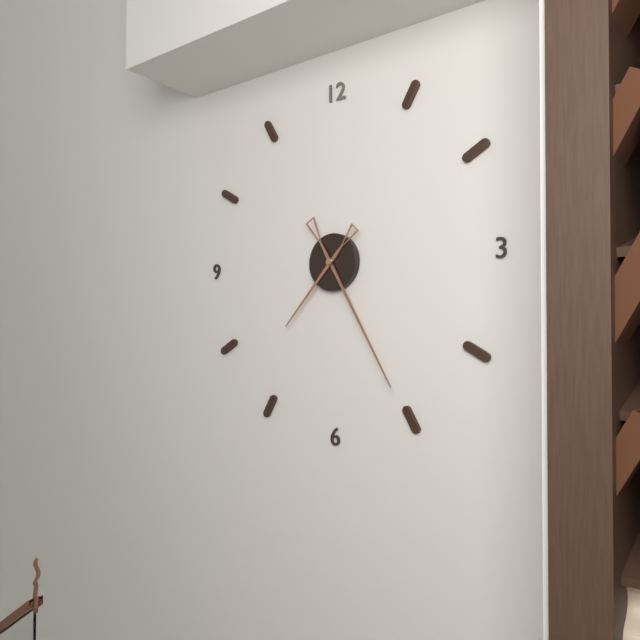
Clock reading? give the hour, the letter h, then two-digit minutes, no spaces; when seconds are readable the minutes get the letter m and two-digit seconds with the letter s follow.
7h25
